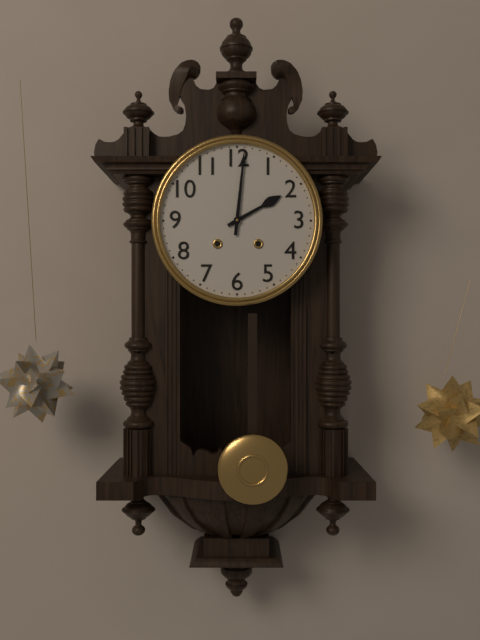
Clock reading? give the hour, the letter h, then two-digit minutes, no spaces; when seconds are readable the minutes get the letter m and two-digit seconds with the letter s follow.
2h01
